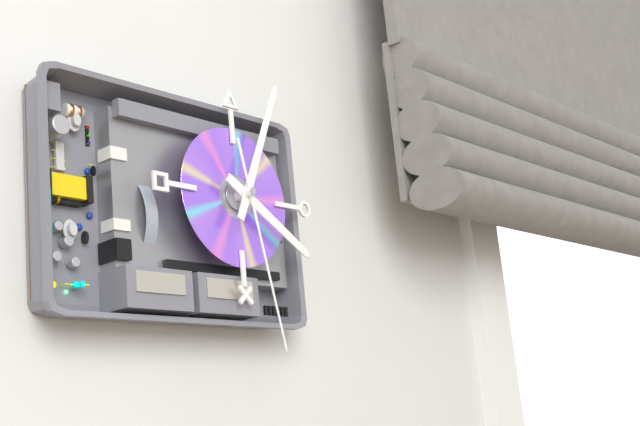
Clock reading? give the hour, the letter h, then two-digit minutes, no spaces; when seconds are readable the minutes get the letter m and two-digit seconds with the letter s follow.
4h04m28s
